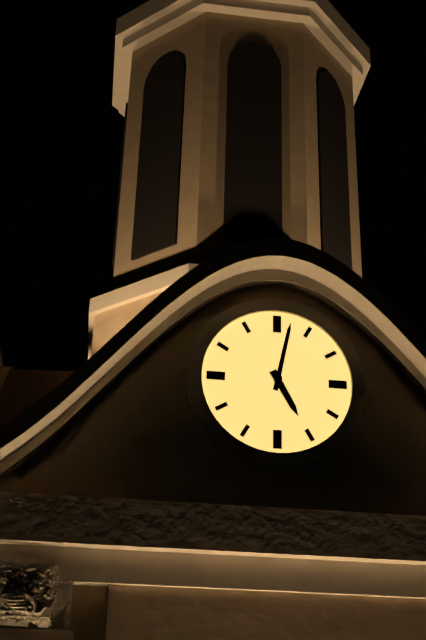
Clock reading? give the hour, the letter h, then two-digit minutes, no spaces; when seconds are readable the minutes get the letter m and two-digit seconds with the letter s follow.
5h02
